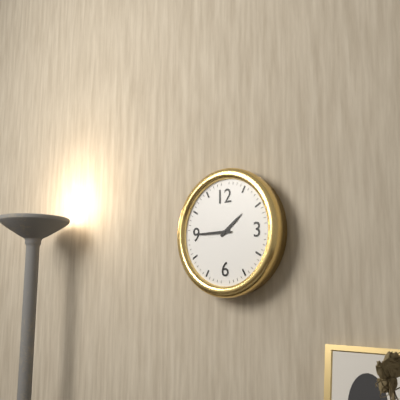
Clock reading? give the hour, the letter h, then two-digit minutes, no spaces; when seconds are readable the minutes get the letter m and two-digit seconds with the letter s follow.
1h45
